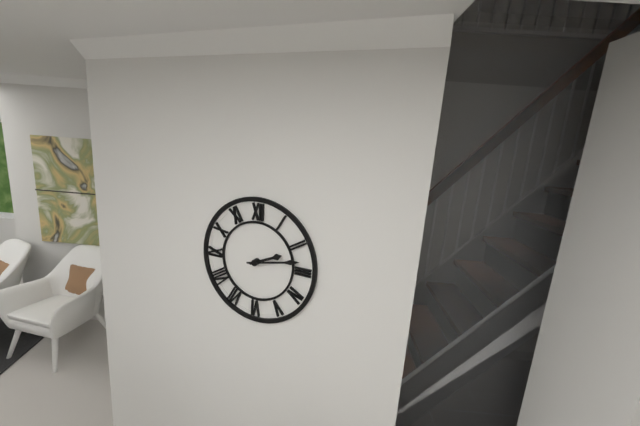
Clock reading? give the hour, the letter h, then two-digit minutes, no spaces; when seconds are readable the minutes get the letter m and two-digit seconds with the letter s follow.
2h13
